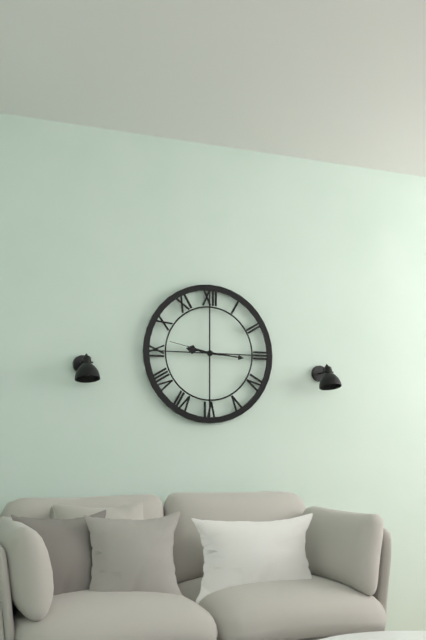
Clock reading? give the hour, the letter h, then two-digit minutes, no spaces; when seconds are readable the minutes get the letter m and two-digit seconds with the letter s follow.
9h16m47s
